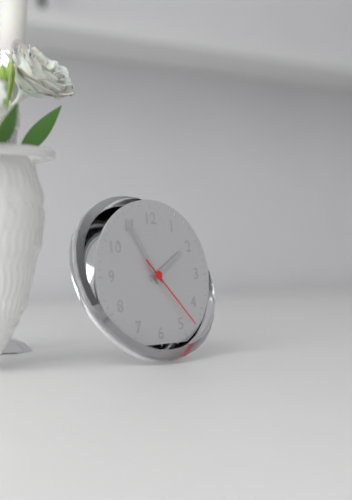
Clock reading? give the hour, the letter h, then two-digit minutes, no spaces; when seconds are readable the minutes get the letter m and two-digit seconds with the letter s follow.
1h55m23s
